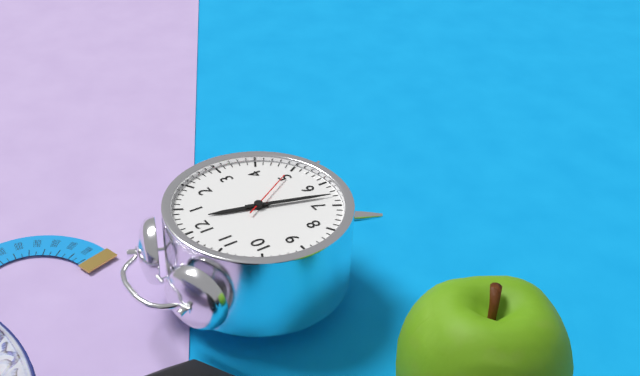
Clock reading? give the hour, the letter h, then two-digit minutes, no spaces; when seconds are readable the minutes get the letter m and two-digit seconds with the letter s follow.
12h33m25s
